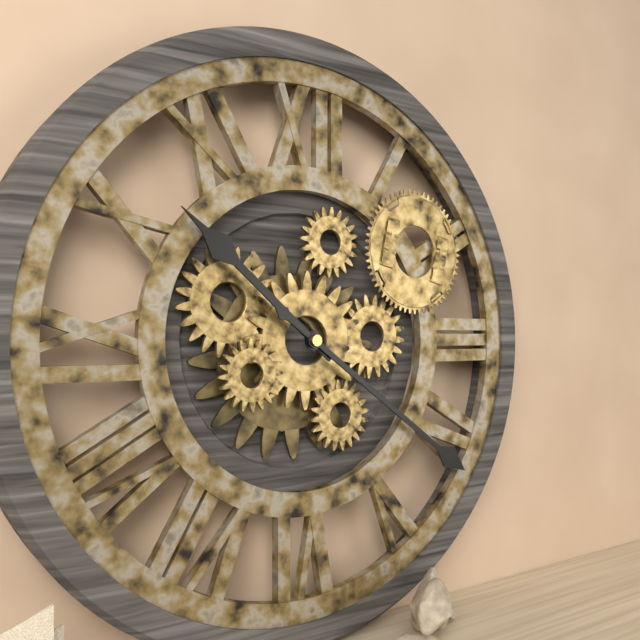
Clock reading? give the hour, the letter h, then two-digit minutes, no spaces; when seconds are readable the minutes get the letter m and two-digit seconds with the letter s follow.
10h21
